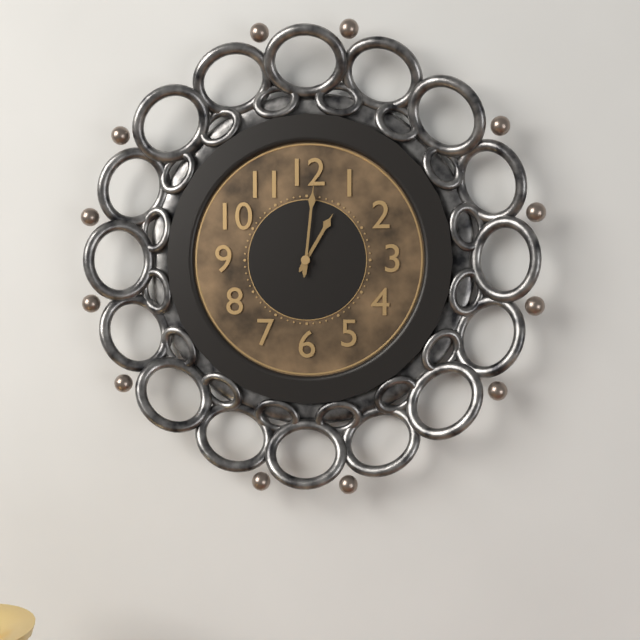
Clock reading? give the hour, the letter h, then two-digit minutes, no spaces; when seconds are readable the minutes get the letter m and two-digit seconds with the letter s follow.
1h01
